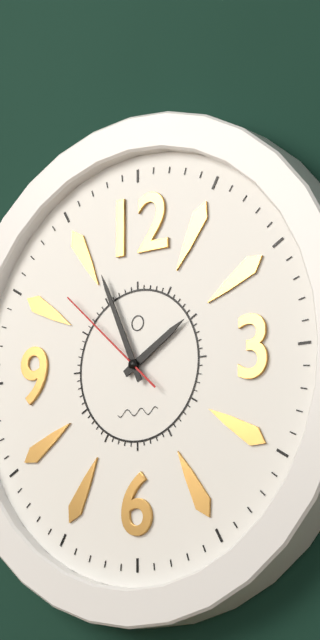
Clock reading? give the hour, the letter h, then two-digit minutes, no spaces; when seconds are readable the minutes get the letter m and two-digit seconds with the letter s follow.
1h56m52s
